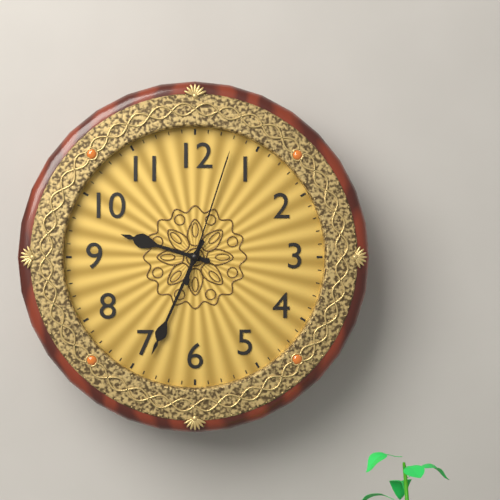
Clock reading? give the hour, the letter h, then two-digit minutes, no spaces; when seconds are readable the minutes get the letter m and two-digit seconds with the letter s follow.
9h34m03s
